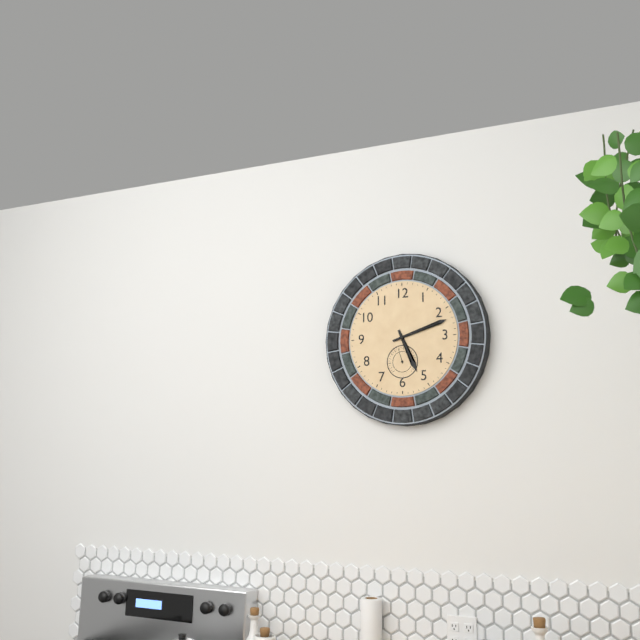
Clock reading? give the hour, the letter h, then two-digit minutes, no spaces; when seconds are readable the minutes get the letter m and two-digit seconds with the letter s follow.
5h12
